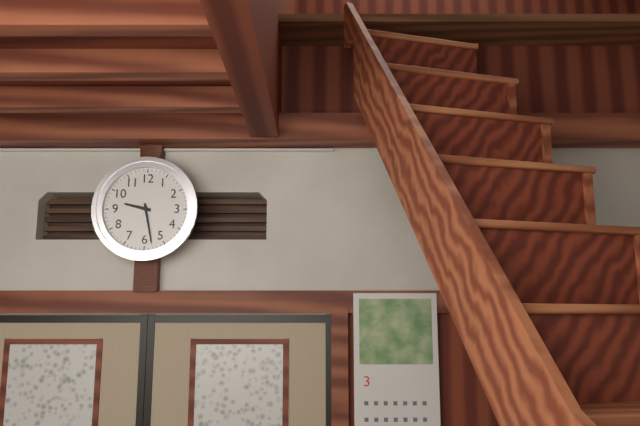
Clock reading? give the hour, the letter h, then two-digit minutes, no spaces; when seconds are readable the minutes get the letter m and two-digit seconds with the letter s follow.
9h28
